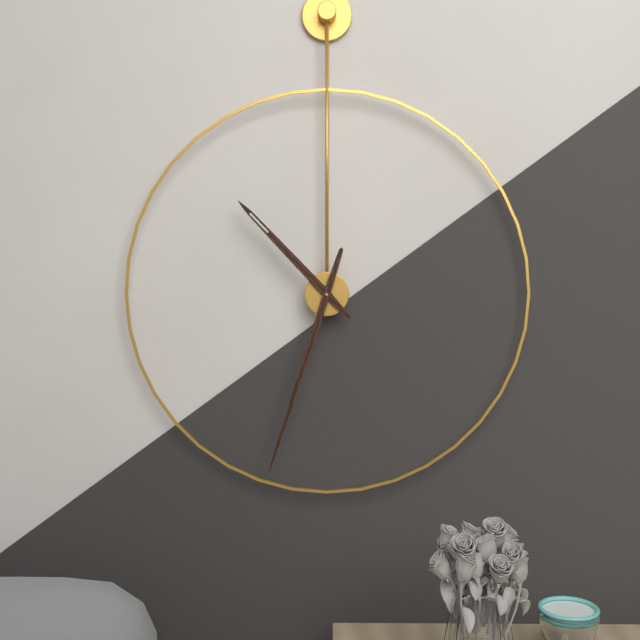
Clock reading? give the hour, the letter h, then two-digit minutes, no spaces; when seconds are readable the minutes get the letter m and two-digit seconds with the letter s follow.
10h33
